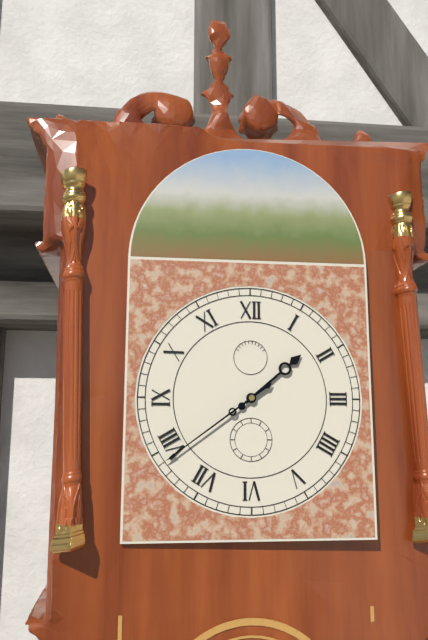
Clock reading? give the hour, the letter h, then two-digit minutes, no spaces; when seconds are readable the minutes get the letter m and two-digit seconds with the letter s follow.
1h39
